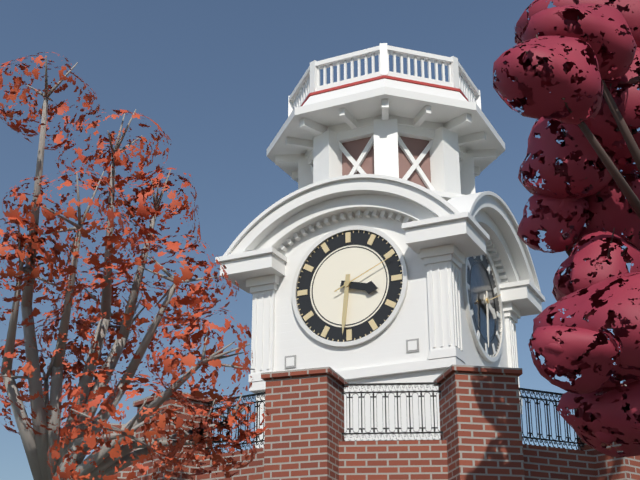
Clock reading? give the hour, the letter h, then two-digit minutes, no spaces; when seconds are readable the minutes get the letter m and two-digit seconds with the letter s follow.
3h31m11s
